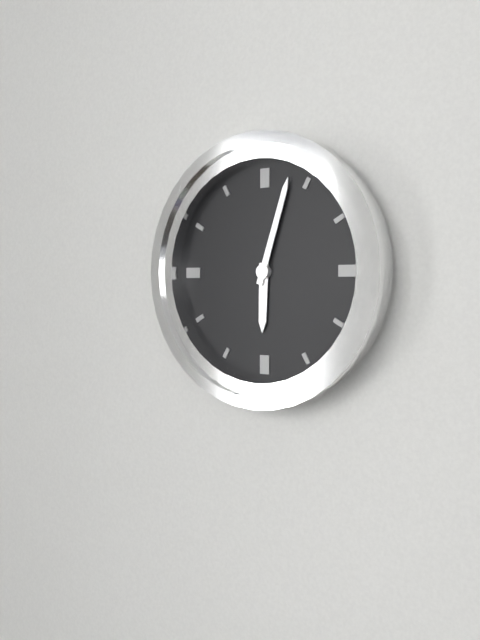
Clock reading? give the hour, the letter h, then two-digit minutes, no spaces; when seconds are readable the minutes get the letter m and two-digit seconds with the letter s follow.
6h03
